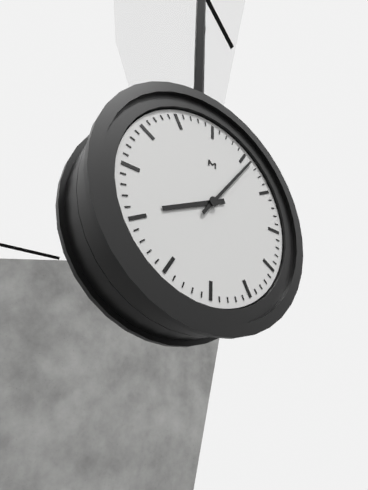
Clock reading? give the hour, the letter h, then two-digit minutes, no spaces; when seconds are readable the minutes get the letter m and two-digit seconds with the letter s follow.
8h06
